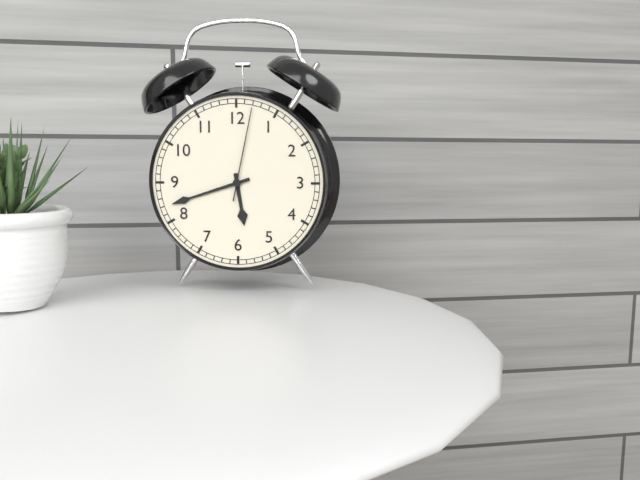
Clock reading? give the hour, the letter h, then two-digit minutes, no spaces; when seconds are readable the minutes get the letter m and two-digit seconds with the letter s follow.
5h42m02s
